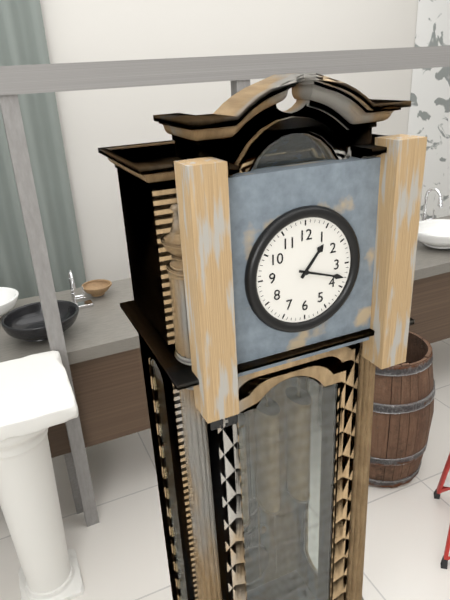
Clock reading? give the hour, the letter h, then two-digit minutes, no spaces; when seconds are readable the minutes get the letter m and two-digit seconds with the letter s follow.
1h18
